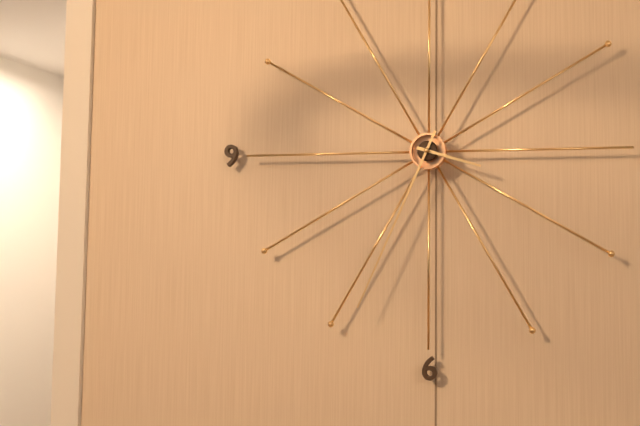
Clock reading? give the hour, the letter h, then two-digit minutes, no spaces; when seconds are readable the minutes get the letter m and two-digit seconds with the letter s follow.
3h34
